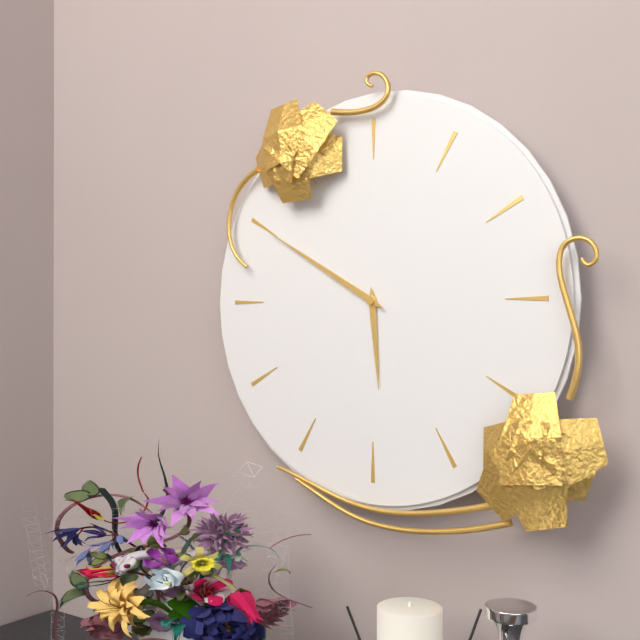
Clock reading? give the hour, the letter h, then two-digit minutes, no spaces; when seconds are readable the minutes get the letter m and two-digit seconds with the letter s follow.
5h50
